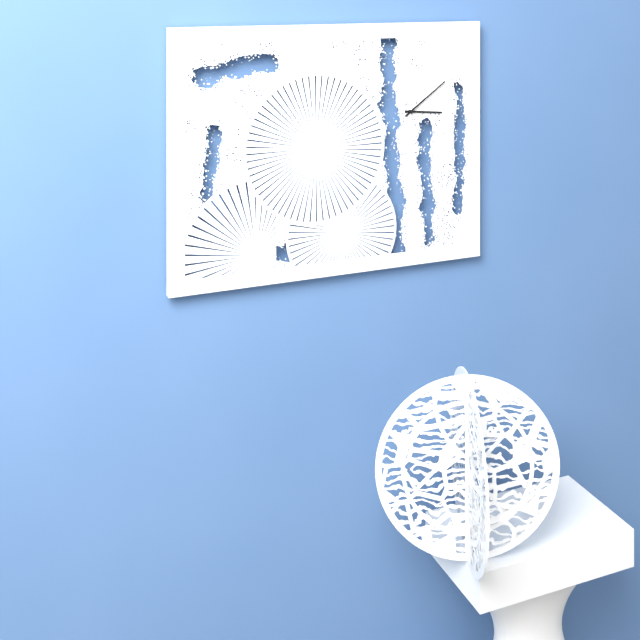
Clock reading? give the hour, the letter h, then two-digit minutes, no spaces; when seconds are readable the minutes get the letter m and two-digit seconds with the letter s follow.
3h09
